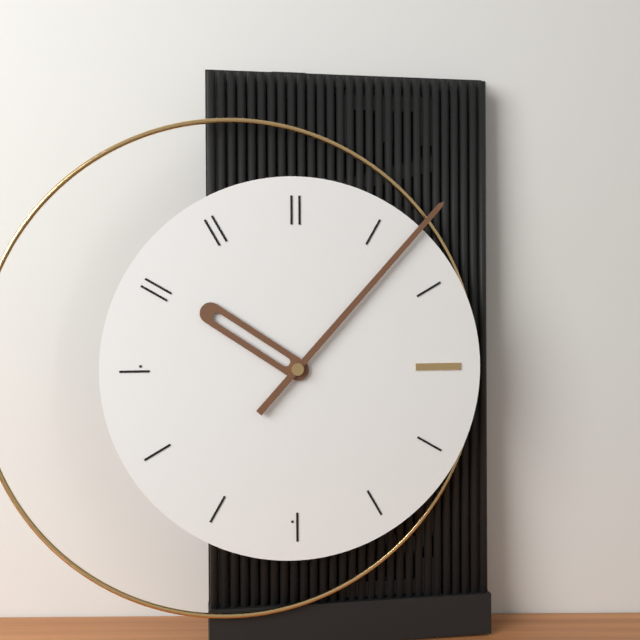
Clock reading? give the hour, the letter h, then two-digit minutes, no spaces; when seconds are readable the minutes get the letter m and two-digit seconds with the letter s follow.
10h07
